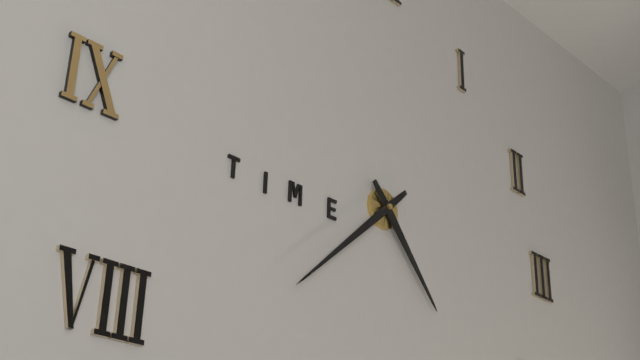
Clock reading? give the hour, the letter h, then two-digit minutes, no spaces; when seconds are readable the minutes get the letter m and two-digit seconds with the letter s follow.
4h38
